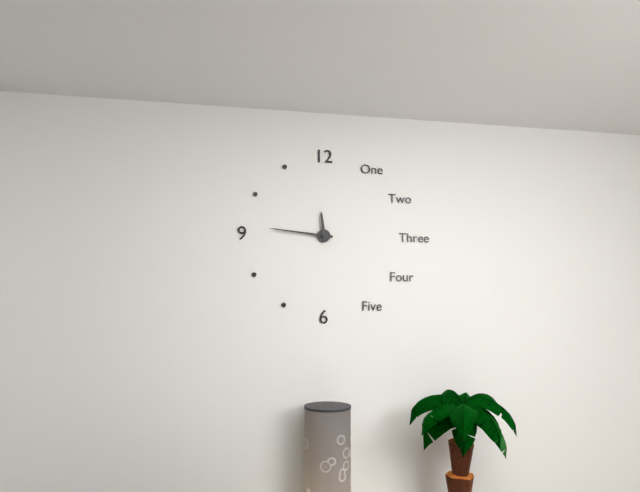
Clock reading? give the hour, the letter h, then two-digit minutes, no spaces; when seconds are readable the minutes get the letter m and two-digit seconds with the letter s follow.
11h46
